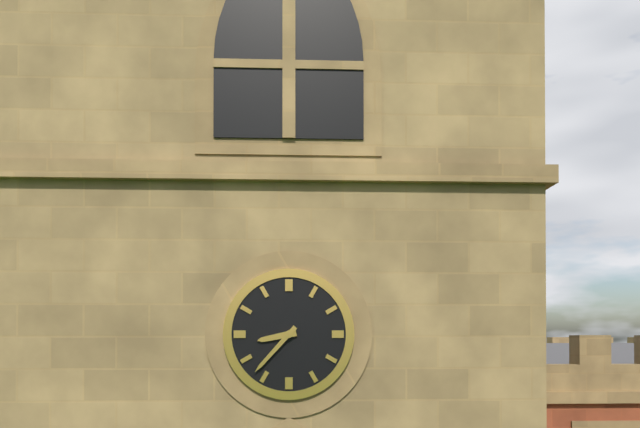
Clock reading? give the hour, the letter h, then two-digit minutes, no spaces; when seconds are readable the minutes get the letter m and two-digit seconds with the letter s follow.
8h37
